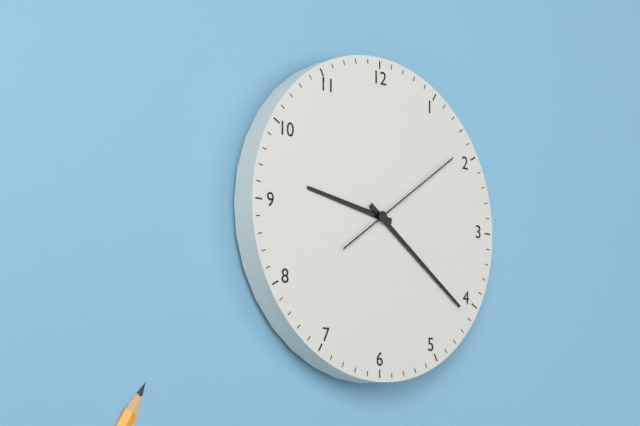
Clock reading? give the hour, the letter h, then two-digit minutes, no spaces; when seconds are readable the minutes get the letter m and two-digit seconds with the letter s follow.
9h21m09s
